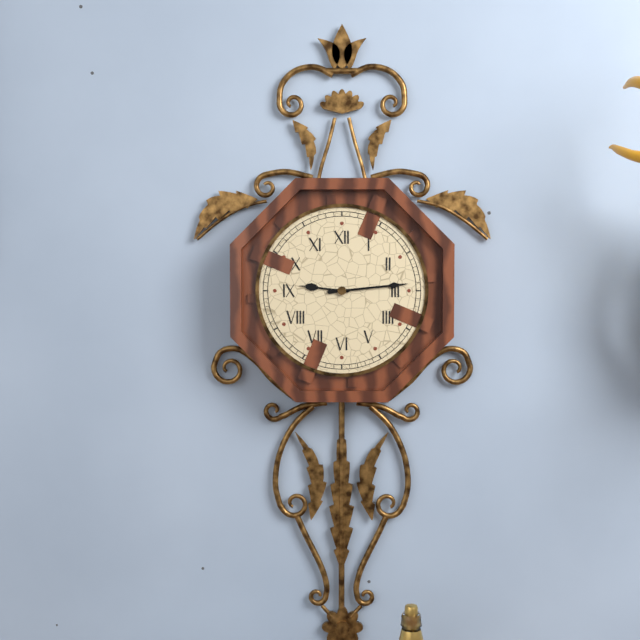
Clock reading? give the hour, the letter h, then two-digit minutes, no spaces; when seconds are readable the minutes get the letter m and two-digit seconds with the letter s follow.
9h14
